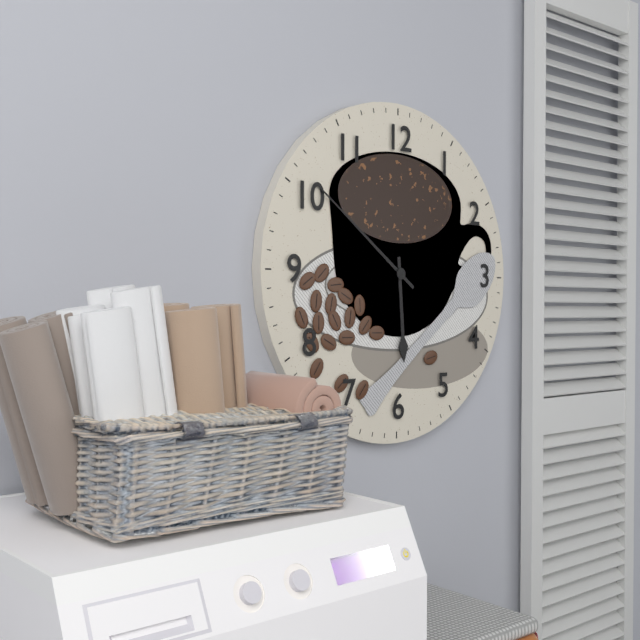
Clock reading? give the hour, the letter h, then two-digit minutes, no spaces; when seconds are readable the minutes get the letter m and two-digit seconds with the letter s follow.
5h51
